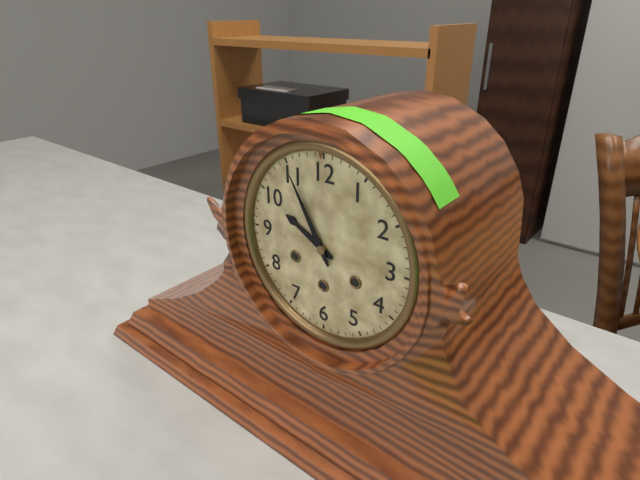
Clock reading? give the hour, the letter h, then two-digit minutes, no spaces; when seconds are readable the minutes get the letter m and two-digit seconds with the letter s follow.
9h55
